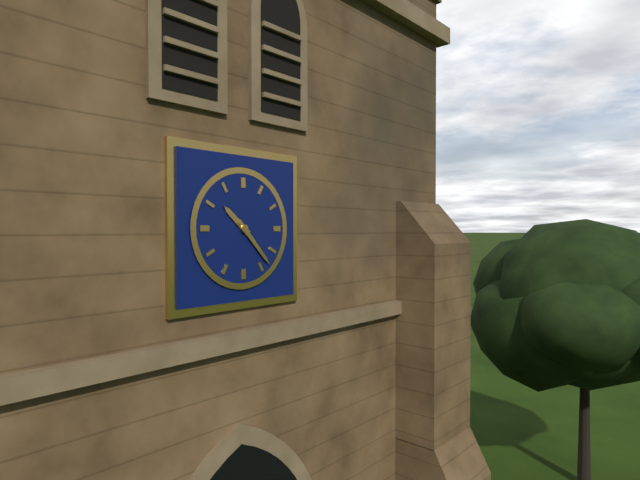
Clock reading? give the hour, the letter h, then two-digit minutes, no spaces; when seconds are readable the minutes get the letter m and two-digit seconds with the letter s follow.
10h23
